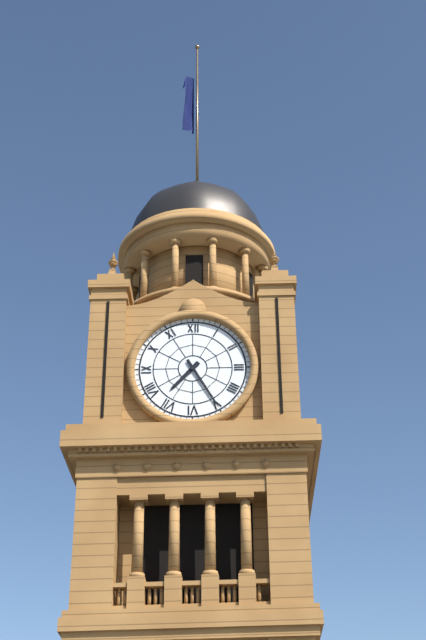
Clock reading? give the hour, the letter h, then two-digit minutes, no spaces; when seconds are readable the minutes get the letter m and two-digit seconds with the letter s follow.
7h25
